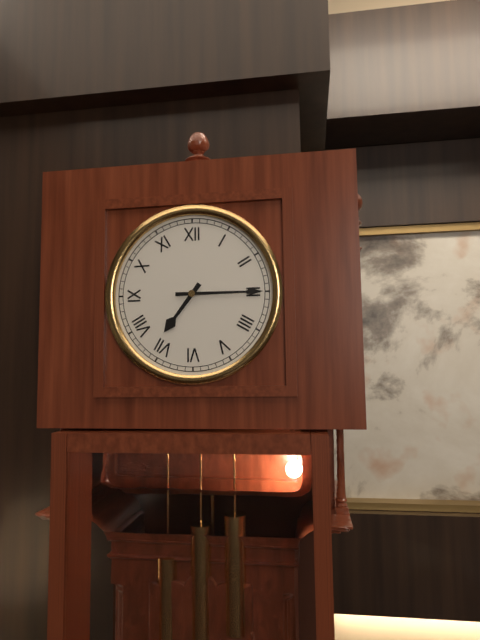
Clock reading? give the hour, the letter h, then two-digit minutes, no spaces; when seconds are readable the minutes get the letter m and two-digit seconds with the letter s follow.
7h15
